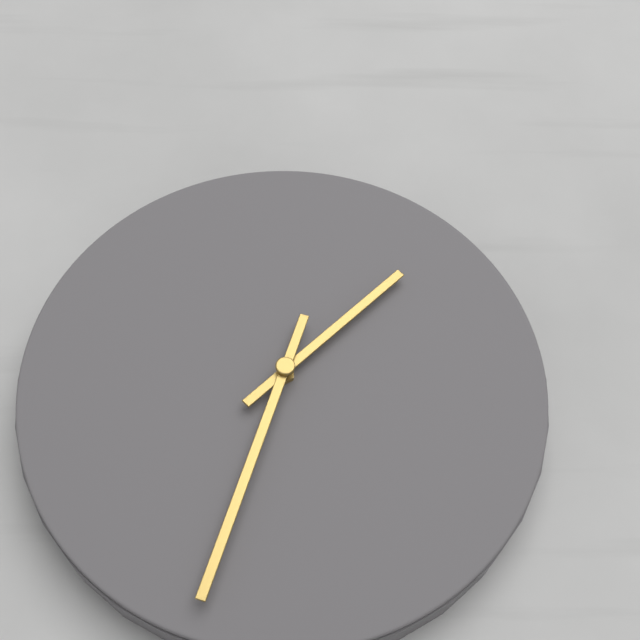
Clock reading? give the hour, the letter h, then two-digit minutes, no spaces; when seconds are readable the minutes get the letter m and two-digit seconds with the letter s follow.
1h33
